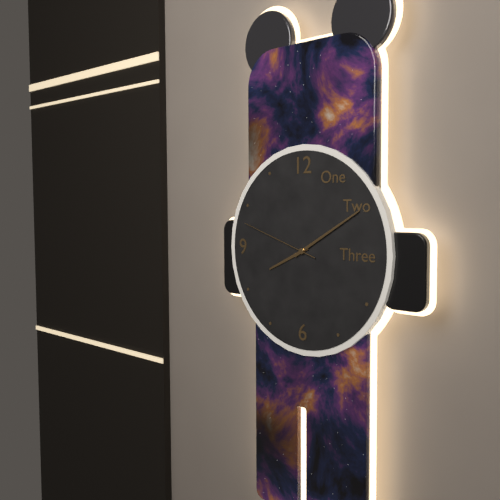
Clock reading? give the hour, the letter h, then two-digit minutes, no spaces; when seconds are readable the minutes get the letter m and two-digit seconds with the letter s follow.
8h10m48s
